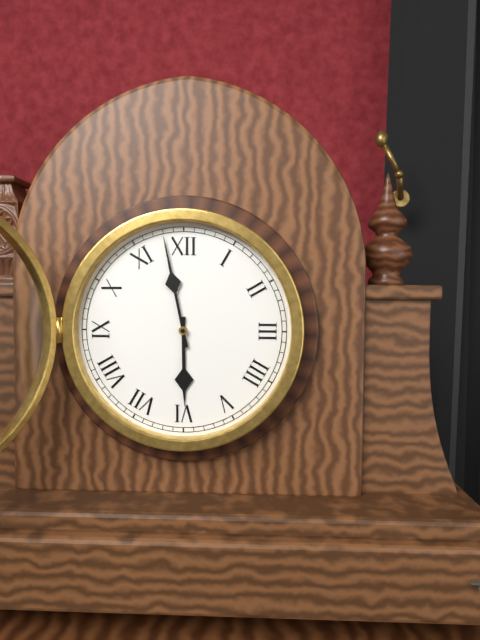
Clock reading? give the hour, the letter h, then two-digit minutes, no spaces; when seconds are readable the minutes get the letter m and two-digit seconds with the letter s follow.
5h58
